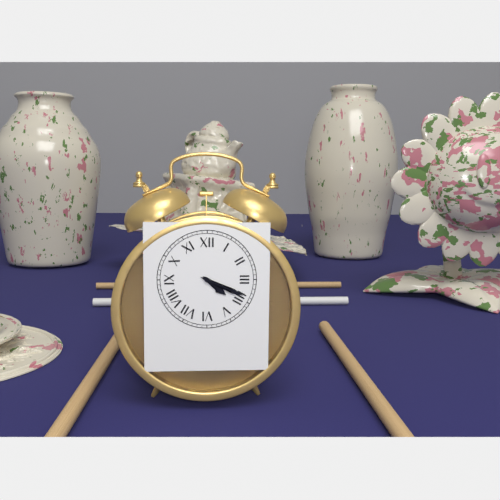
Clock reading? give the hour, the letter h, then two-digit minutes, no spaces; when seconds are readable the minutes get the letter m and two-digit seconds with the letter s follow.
4h19
